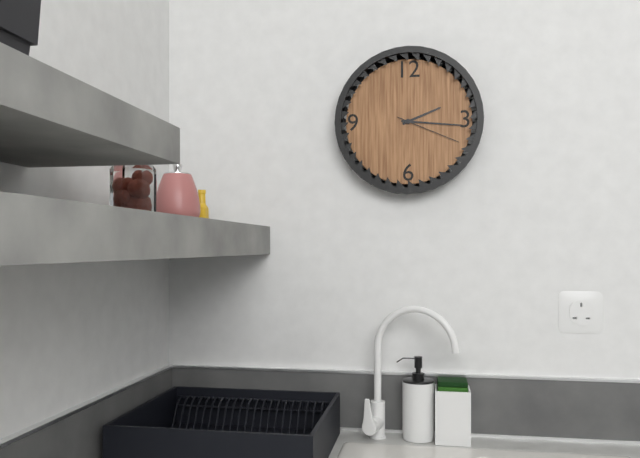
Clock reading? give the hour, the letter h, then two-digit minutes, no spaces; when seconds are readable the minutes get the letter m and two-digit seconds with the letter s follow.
2h16m19s
